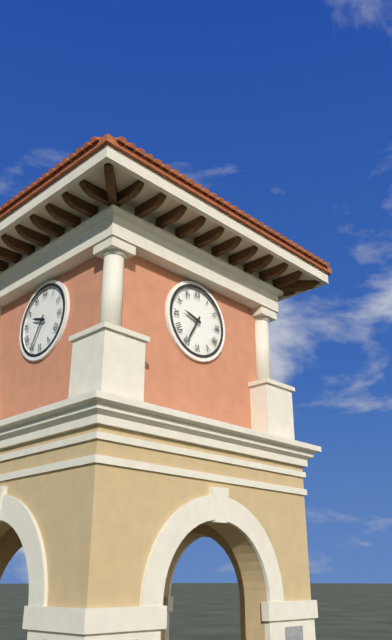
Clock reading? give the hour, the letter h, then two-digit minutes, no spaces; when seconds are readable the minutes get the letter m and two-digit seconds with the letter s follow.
9h35
